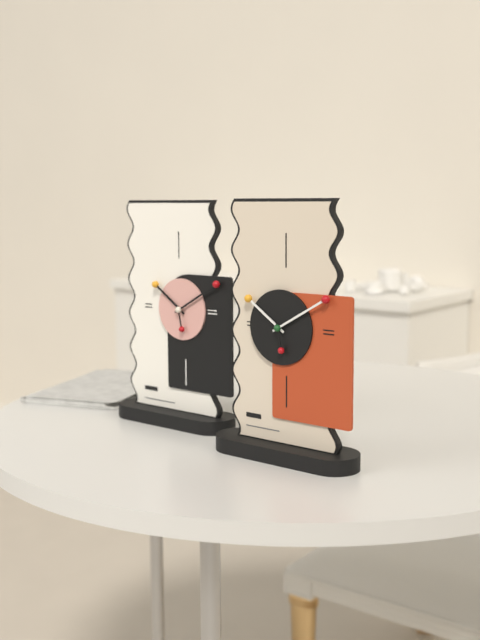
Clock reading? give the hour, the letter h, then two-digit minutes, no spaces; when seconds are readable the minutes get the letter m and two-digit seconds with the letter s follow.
10h10
